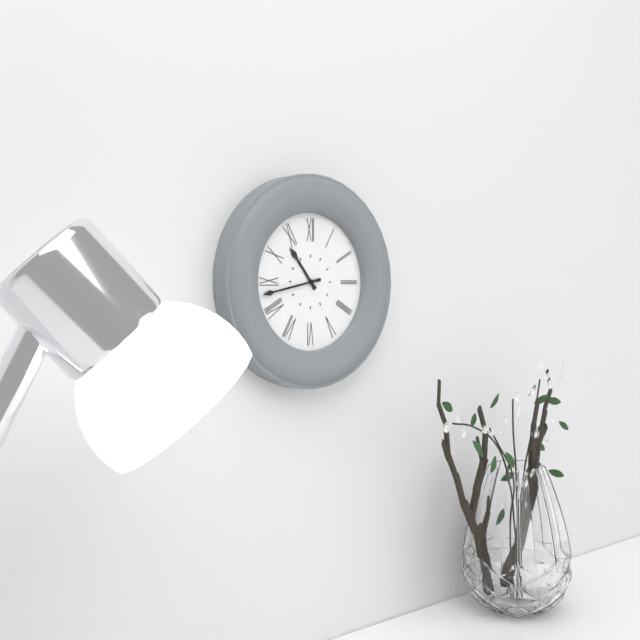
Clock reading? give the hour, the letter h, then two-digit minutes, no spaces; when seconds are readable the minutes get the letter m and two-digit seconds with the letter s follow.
10h43
